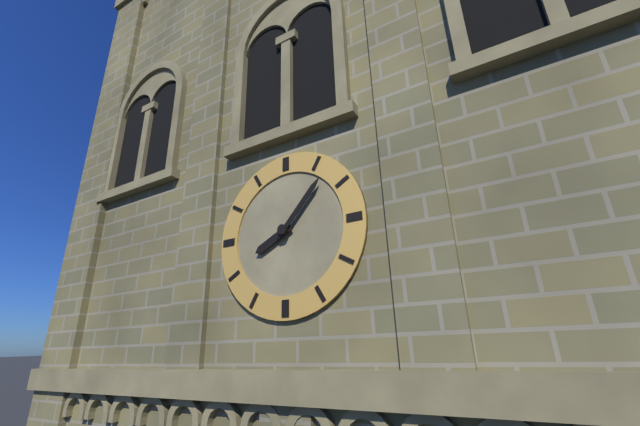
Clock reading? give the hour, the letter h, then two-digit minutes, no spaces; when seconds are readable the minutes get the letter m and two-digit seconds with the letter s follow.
8h07
